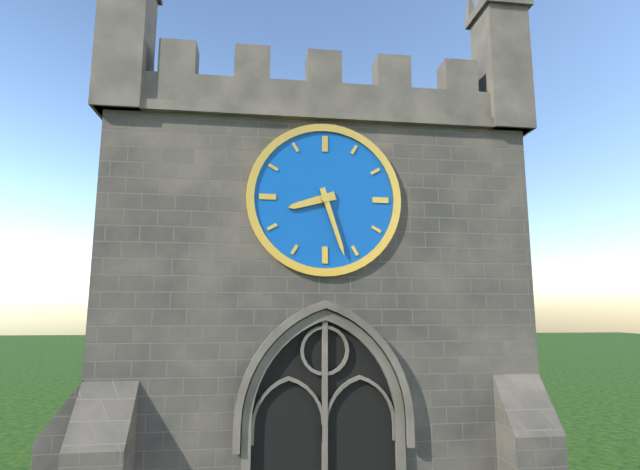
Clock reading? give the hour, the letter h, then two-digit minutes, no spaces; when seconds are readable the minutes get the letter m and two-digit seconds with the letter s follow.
8h27
